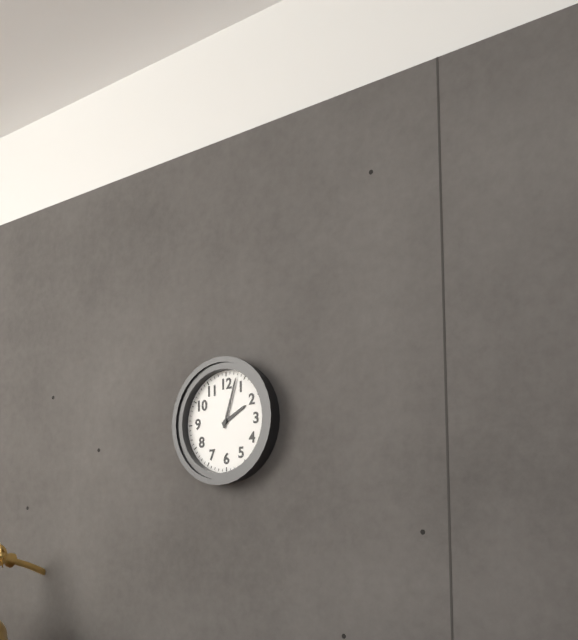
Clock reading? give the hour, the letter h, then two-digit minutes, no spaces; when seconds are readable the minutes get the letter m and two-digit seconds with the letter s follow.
2h03
